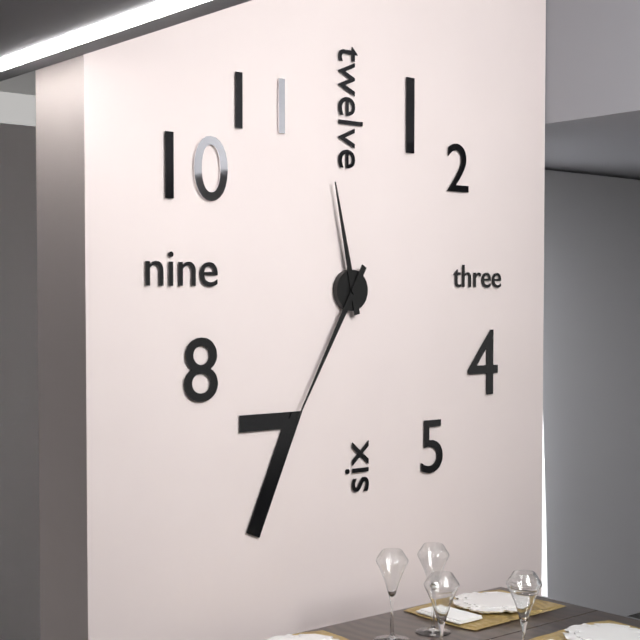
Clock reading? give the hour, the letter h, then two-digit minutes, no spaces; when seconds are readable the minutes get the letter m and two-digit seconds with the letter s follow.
11h35
